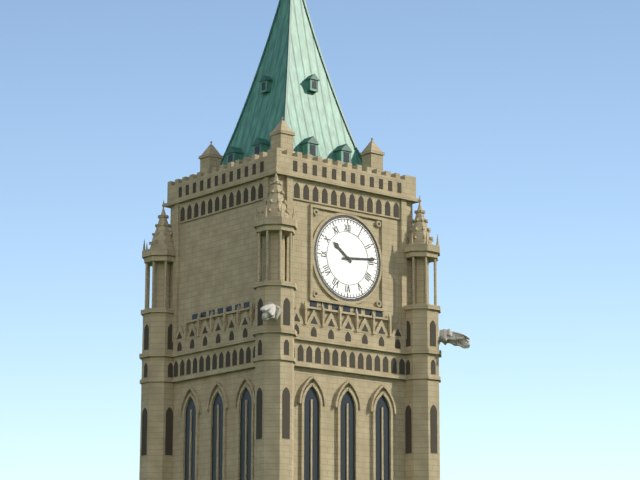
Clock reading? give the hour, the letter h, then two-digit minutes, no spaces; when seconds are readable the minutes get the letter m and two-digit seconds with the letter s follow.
10h14
